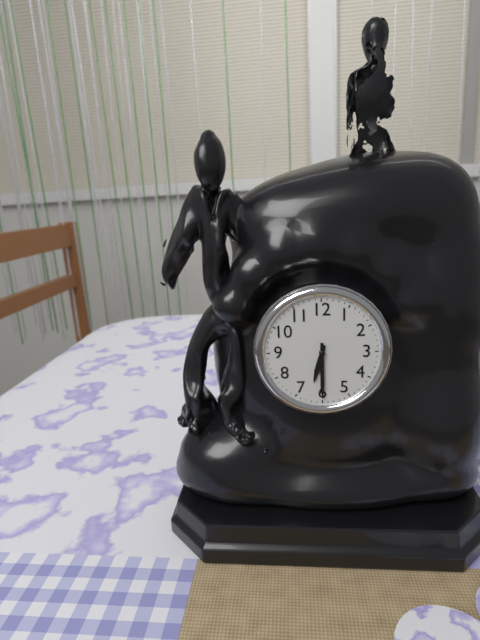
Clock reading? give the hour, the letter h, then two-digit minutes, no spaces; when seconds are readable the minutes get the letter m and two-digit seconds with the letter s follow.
6h30
